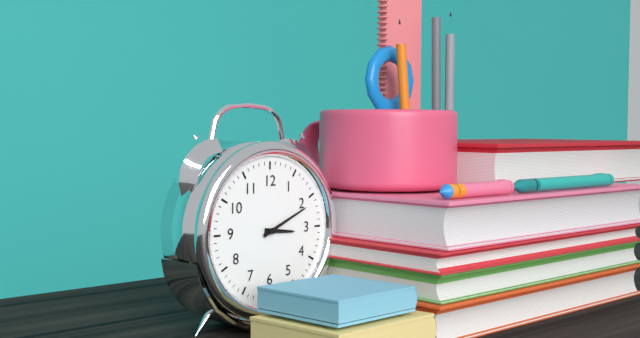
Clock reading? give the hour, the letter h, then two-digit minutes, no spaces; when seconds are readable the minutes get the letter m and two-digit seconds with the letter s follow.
3h11
